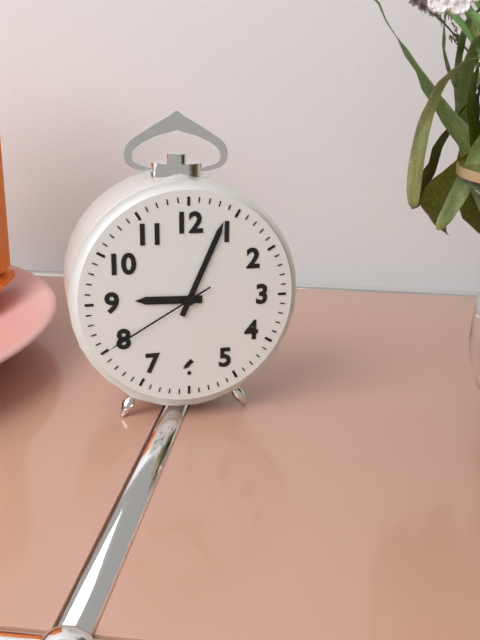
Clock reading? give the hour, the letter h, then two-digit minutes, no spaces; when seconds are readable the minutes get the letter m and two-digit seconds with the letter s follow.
9h04m40s
